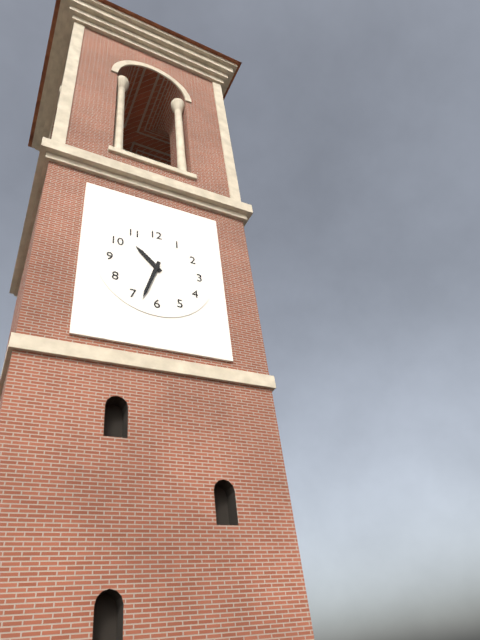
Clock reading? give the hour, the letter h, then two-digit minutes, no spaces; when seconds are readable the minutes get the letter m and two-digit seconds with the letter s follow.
10h33
